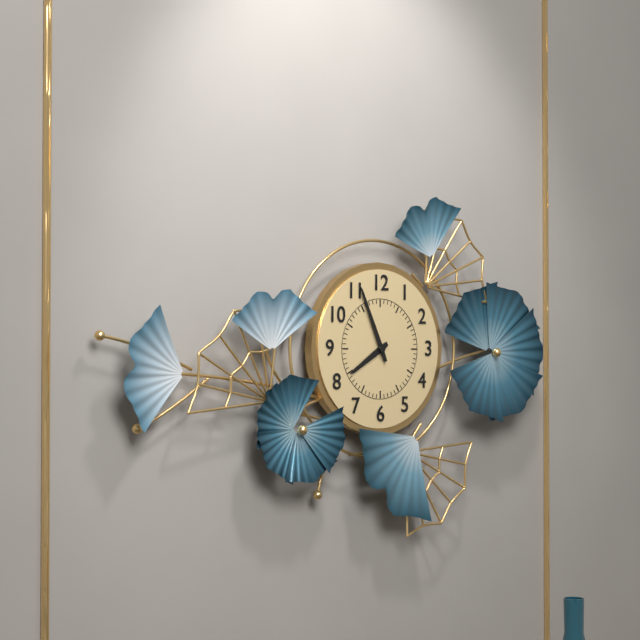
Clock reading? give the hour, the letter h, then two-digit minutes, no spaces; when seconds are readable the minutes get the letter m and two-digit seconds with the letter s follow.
7h56
